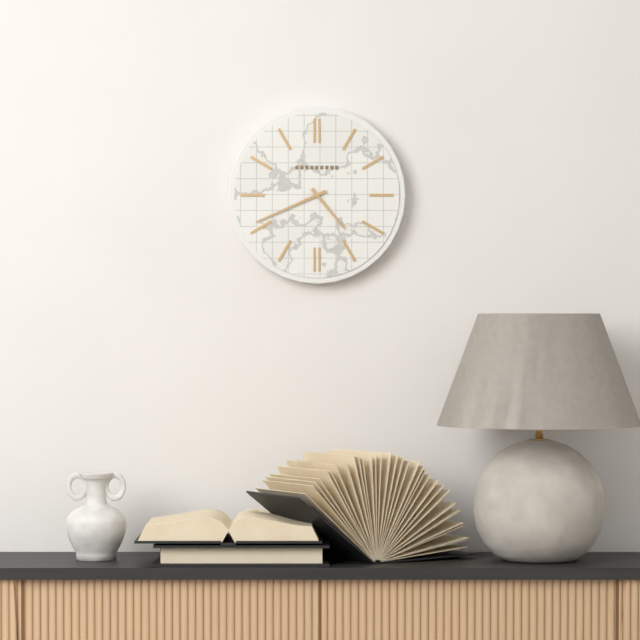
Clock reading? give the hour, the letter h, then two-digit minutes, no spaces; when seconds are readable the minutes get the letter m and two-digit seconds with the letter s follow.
4h41
